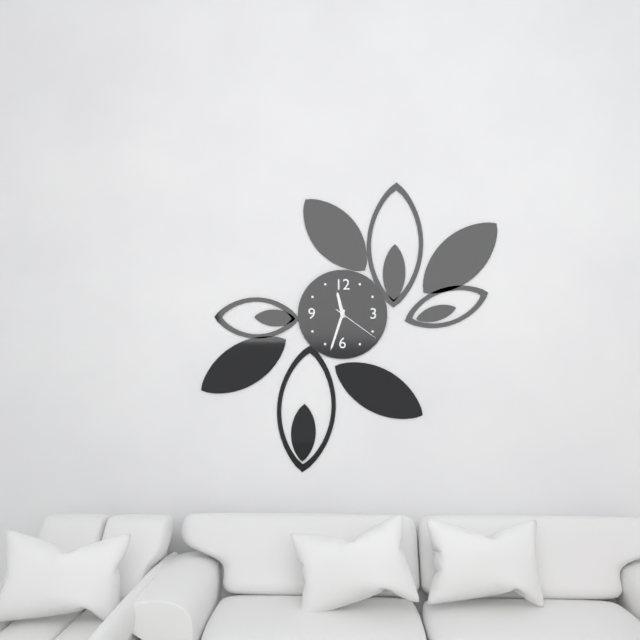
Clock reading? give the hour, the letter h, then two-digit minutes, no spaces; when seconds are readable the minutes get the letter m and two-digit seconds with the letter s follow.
11h33m21s
